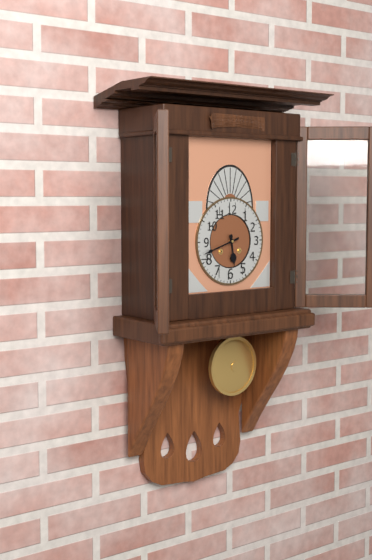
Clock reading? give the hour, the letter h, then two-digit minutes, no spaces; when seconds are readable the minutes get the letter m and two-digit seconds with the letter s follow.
5h42
